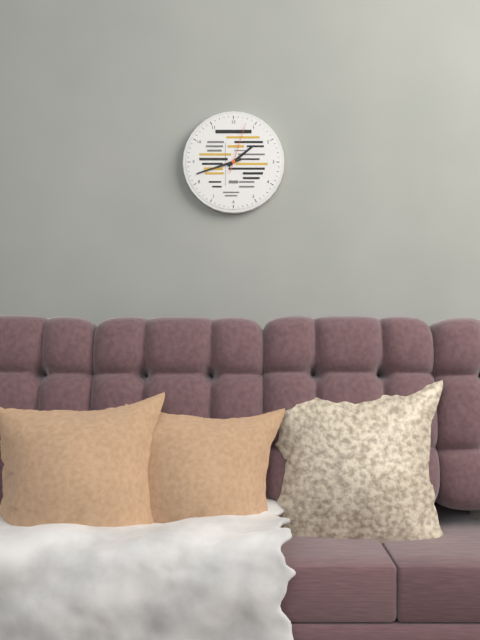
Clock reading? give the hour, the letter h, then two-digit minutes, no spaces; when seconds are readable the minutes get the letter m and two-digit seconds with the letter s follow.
1h42m03s
